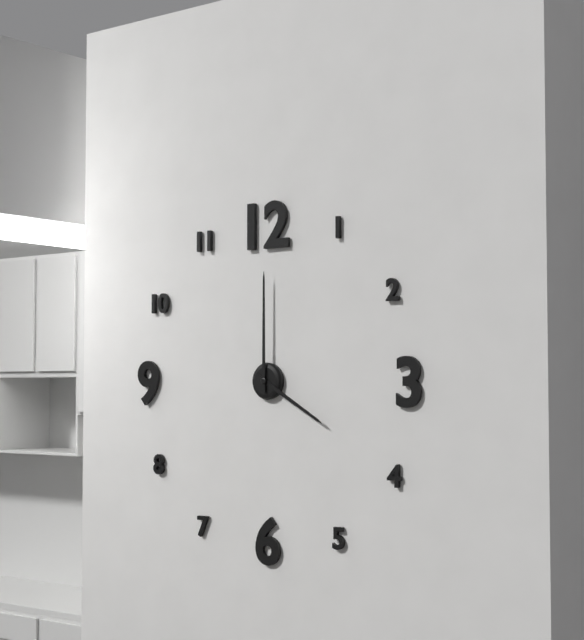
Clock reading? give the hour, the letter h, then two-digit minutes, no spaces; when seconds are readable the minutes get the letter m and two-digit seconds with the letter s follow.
4h00
